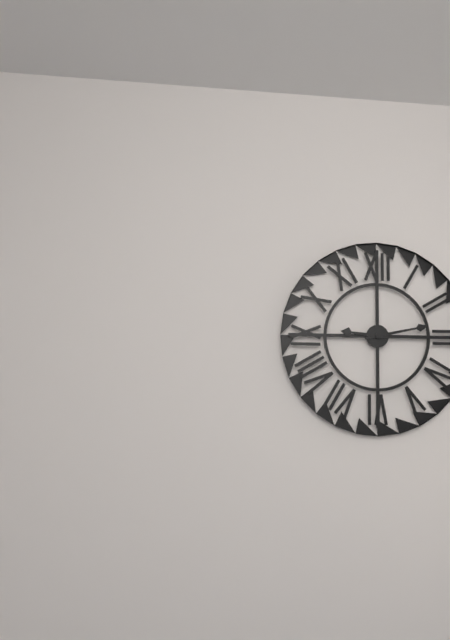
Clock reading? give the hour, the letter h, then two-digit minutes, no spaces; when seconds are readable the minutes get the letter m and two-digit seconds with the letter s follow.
9h13
